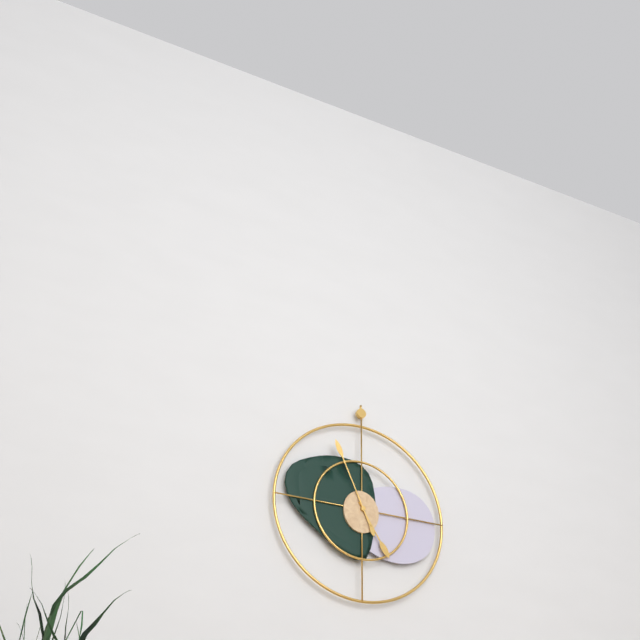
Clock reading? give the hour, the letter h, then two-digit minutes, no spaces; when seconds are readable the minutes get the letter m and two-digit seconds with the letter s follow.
4h56
